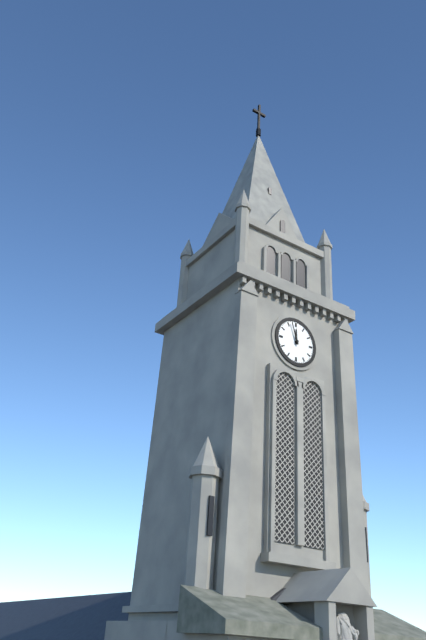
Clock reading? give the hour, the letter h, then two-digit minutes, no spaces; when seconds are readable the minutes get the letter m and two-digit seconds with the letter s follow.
11h57
